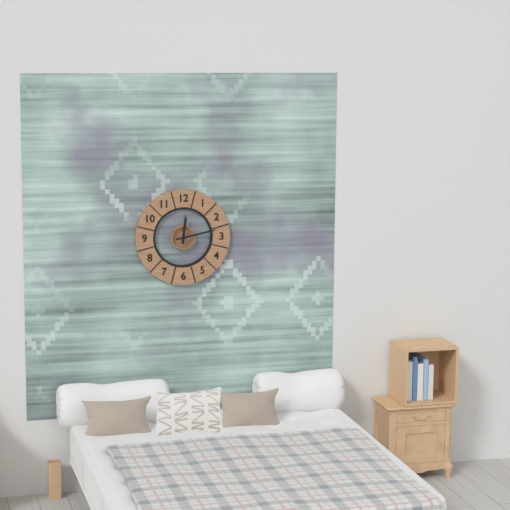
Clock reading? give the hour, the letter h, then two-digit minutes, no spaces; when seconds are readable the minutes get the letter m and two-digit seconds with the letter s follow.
12h13
